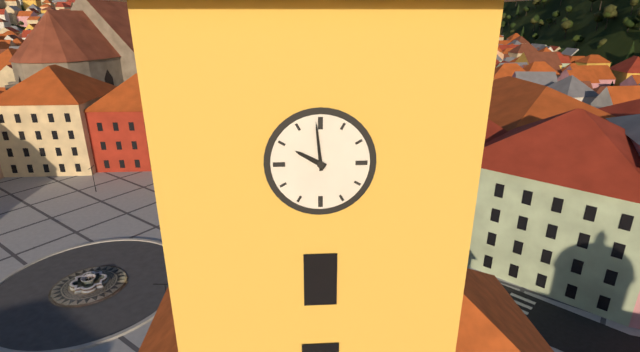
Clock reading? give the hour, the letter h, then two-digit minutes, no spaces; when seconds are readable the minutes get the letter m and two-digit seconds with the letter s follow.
9h59
